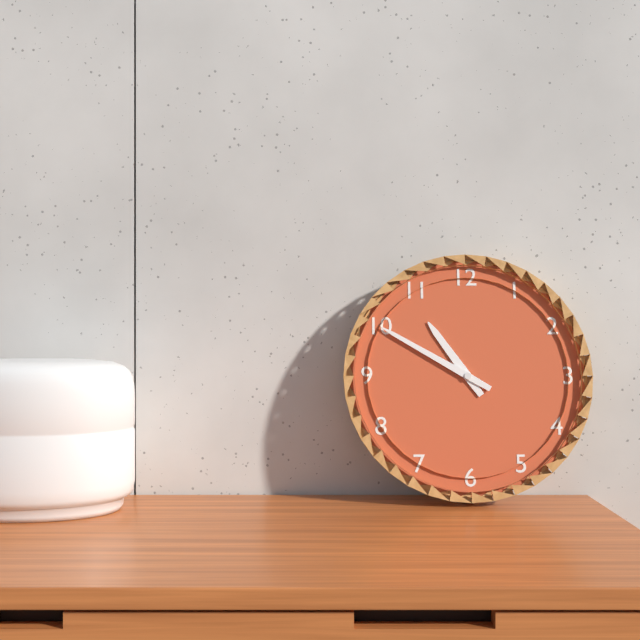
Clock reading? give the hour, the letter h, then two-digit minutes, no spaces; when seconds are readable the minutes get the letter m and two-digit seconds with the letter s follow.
10h50
